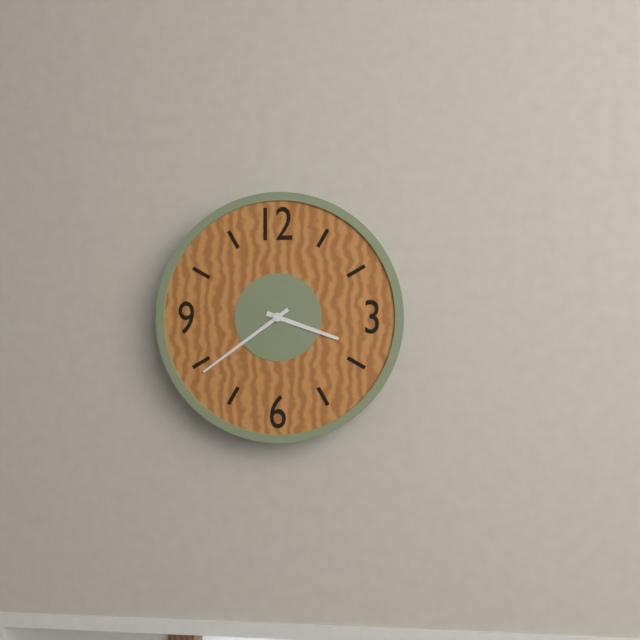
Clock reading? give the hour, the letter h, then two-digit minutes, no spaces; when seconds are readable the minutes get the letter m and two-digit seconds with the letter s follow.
3h39
